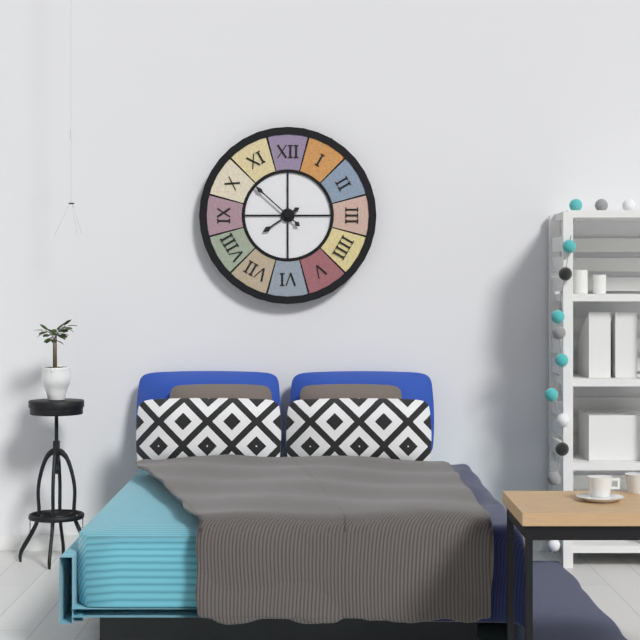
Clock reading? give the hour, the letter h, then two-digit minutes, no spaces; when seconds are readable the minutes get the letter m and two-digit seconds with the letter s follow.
7h52
